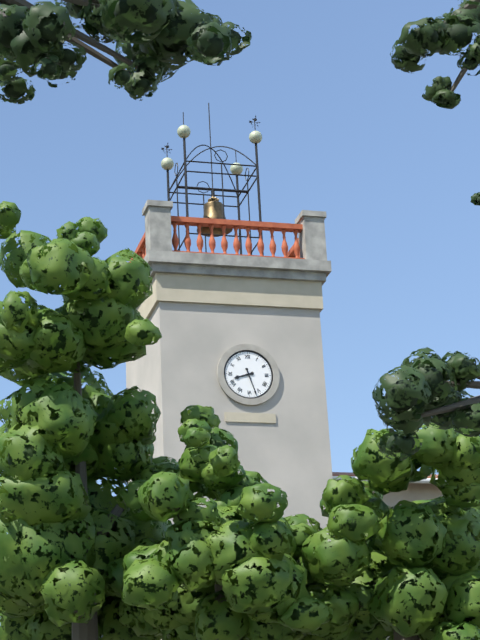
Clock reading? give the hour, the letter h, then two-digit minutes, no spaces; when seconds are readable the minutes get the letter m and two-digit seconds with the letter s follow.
8h27
